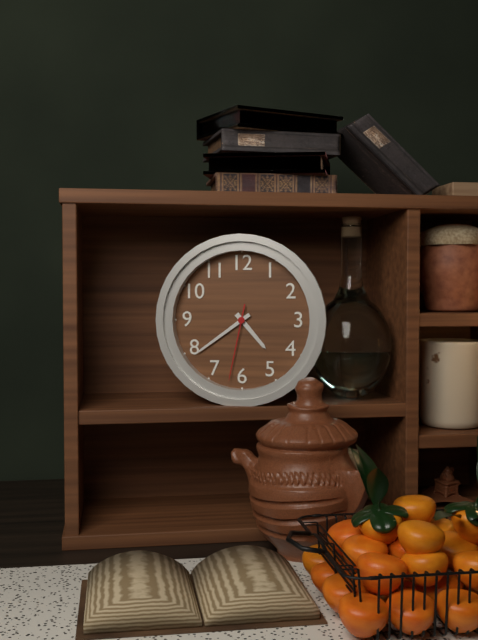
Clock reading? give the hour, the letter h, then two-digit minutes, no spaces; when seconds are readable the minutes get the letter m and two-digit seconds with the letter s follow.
4h39m32s
